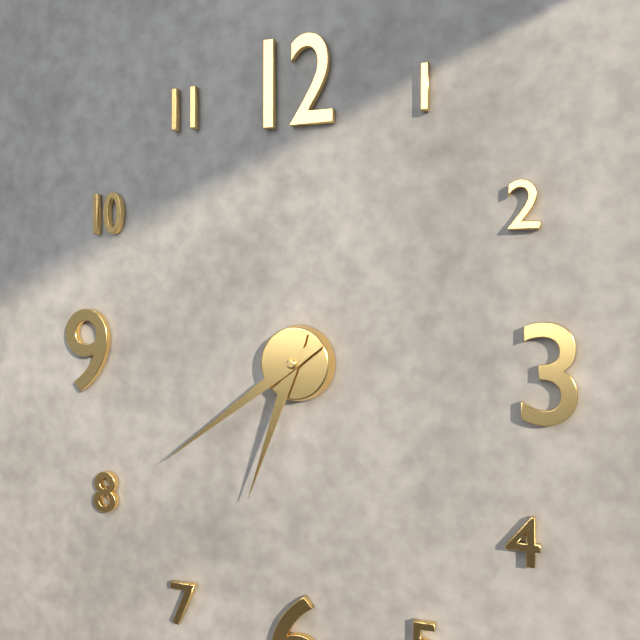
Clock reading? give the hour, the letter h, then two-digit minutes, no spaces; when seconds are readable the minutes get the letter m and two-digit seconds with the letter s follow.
6h39
